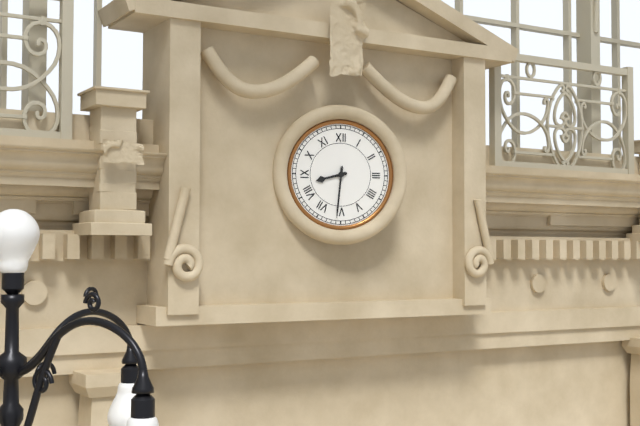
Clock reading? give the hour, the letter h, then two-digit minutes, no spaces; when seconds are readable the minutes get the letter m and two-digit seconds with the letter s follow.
8h31
